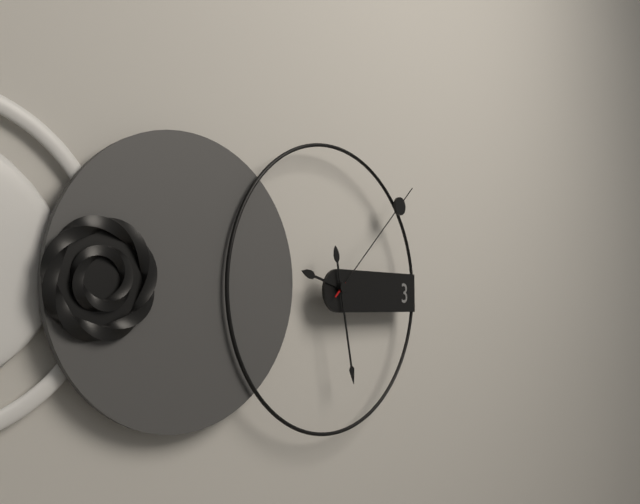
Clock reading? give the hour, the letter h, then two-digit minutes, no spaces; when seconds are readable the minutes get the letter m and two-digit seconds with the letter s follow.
9h28m08s
